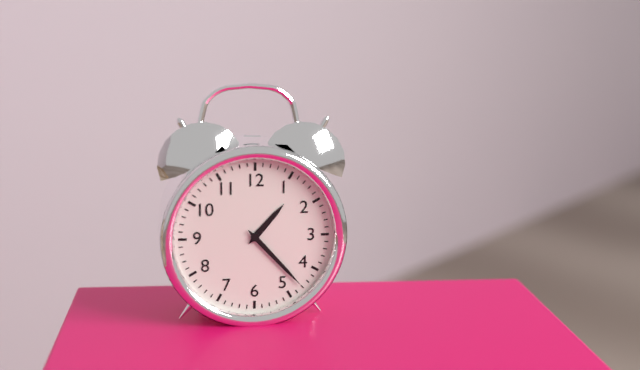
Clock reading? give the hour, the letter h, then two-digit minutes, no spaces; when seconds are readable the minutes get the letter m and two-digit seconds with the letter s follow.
1h23
